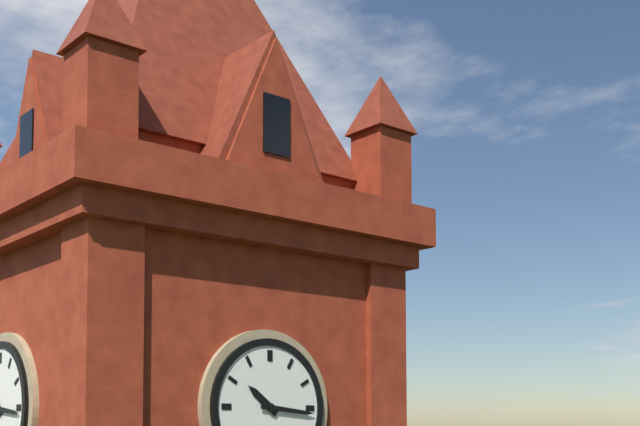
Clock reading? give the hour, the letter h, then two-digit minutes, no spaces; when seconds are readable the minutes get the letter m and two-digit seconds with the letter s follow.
10h16
